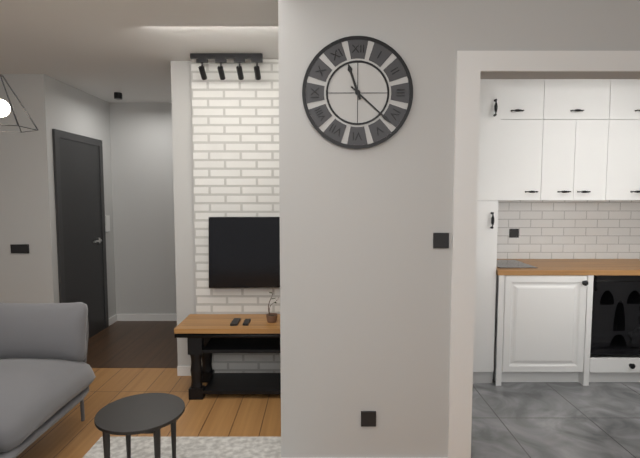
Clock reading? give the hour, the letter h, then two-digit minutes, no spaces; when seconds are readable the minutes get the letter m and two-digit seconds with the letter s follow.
11h22
